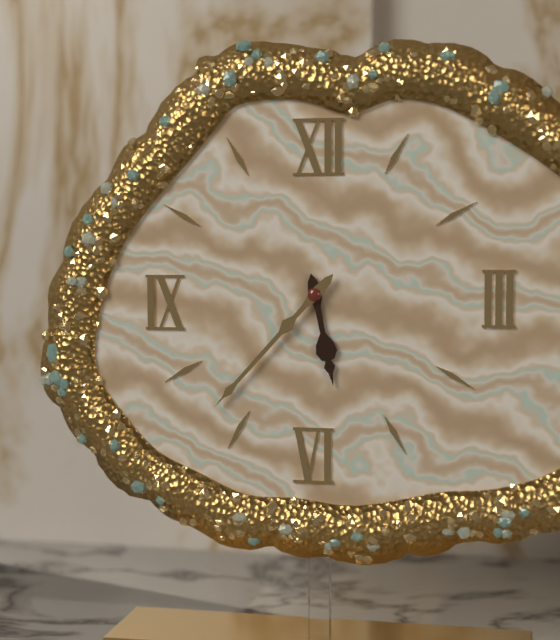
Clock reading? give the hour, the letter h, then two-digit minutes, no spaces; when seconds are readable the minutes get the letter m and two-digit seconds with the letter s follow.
5h37
